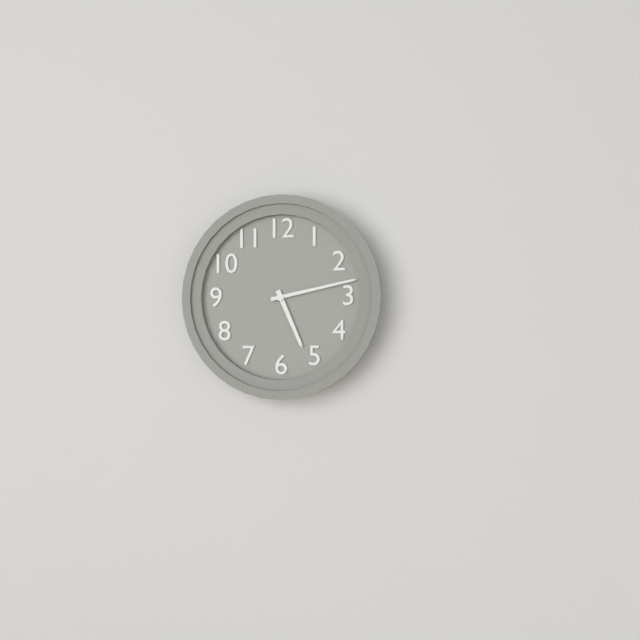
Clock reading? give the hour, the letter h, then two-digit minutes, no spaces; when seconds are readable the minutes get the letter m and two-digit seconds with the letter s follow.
5h13
